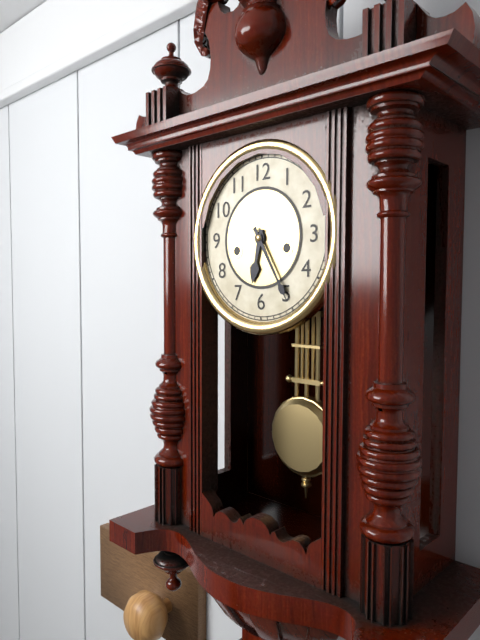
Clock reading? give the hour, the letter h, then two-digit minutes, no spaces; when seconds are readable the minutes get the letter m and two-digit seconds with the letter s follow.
6h25
